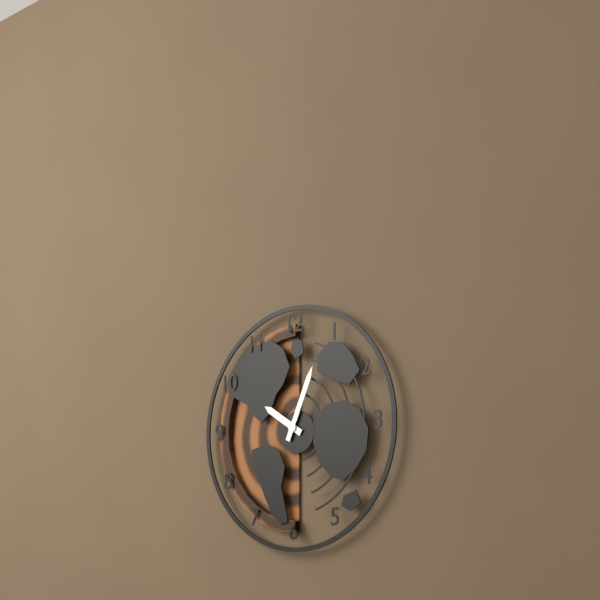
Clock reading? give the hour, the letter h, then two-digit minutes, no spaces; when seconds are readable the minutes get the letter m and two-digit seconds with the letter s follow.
10h04
